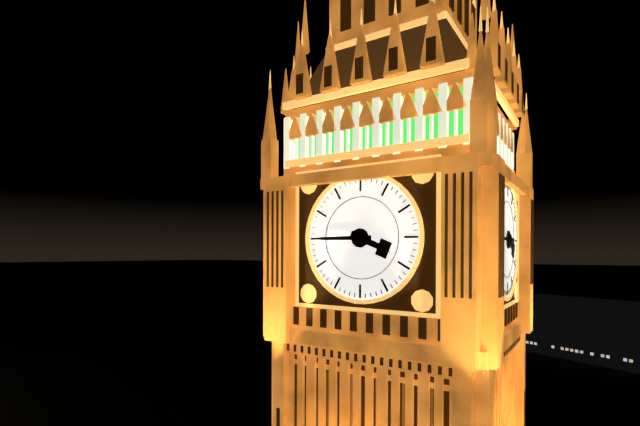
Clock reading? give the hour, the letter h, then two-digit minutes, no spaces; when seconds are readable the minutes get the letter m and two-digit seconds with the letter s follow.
3h45
